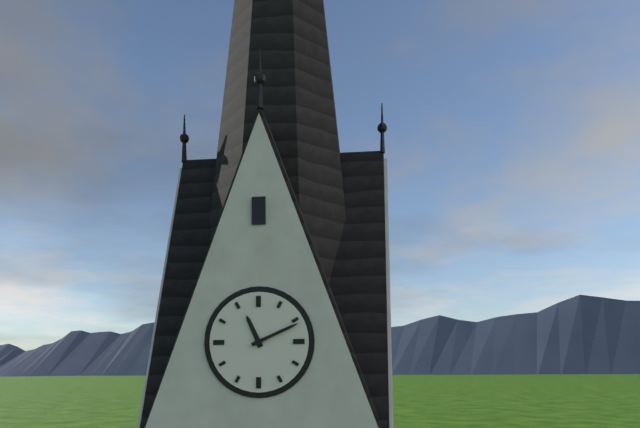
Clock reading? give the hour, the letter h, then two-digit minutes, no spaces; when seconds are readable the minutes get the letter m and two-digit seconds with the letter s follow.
11h11
